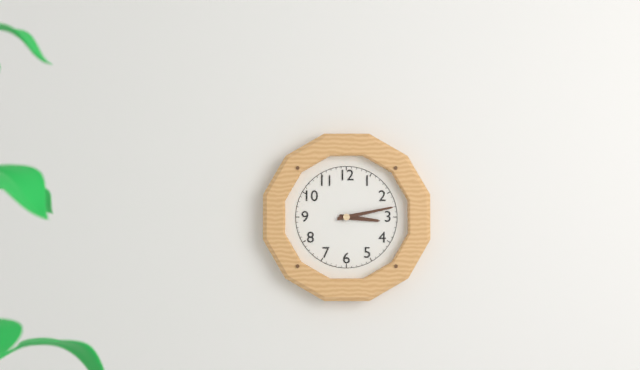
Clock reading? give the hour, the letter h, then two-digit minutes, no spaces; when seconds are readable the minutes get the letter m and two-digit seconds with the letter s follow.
3h13
